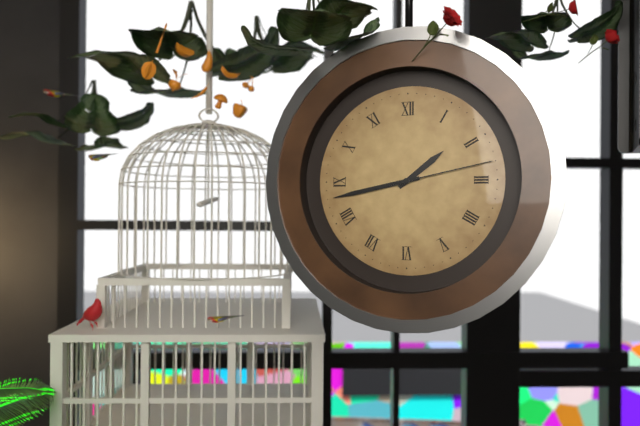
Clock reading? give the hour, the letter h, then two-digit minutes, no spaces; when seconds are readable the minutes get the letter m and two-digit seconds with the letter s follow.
1h43m13s
